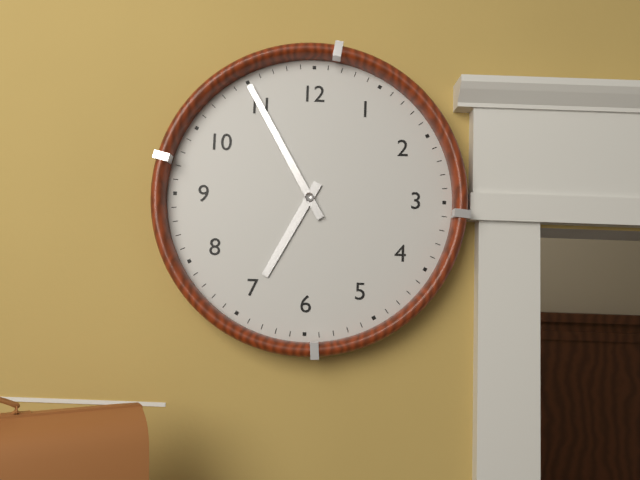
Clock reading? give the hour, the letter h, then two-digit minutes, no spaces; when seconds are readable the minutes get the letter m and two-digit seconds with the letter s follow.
6h55
